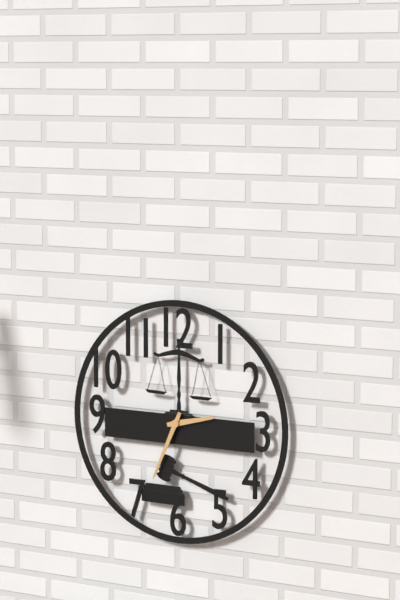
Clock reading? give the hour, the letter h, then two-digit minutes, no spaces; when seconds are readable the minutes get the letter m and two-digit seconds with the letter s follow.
2h34
